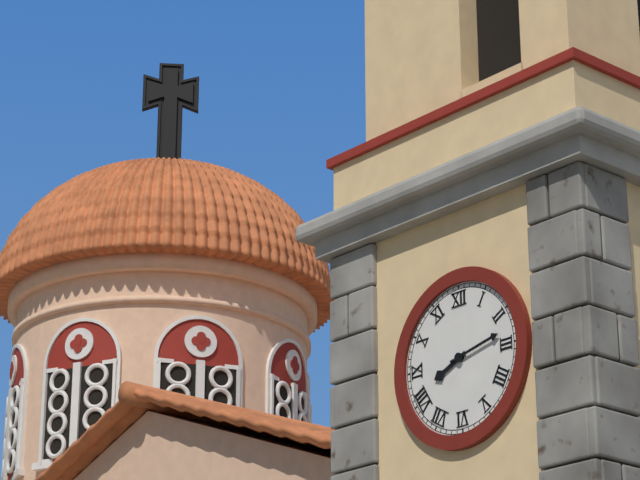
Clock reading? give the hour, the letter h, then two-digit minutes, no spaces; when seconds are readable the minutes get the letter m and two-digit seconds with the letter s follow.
8h13
